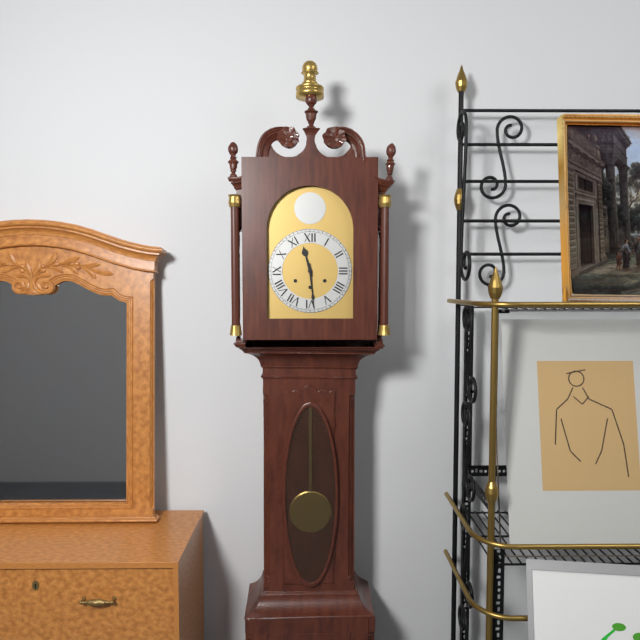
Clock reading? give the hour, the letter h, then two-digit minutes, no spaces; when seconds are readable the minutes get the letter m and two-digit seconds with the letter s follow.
11h29
